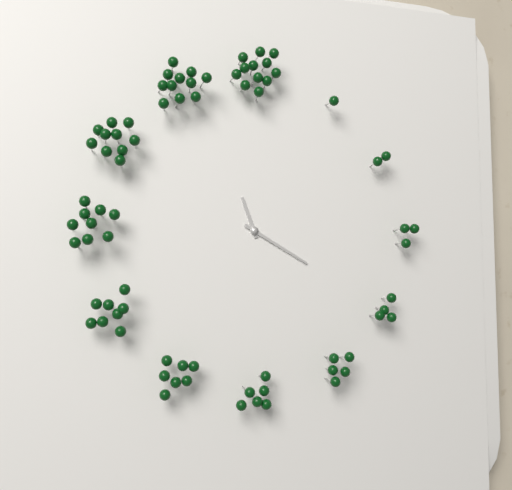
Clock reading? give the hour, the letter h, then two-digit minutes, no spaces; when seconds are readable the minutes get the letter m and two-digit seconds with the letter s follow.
11h20
